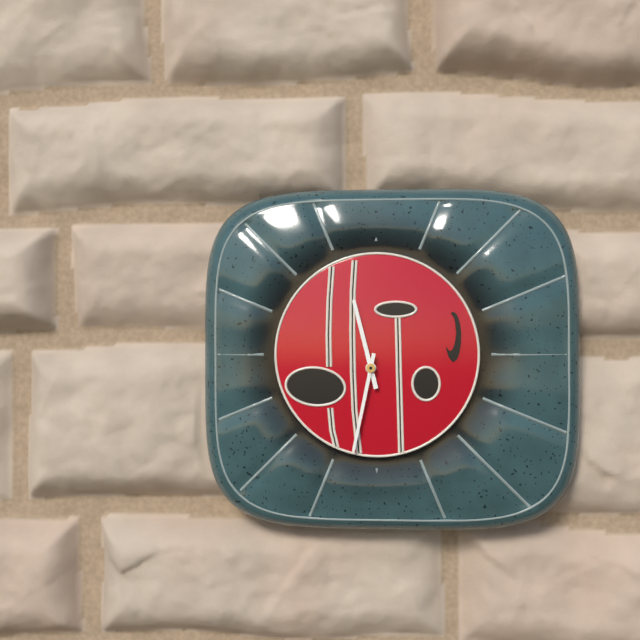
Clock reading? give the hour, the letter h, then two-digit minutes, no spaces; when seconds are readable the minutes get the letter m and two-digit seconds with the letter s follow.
11h32
